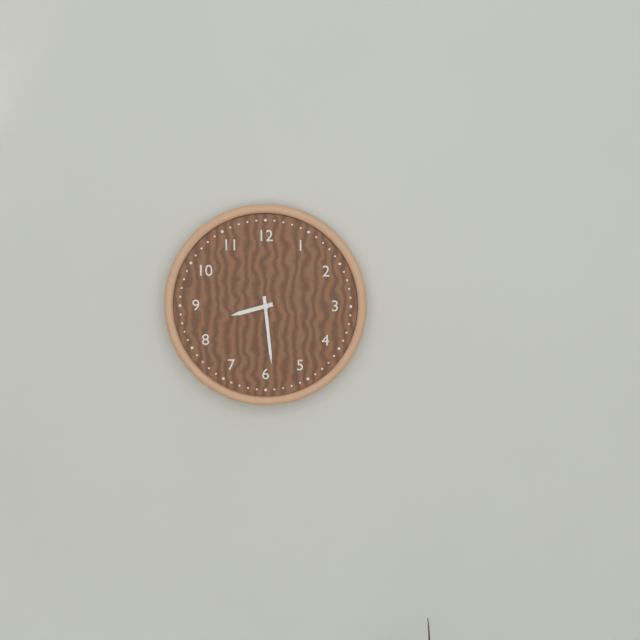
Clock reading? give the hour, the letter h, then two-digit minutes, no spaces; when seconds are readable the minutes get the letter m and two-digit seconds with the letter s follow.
8h29
